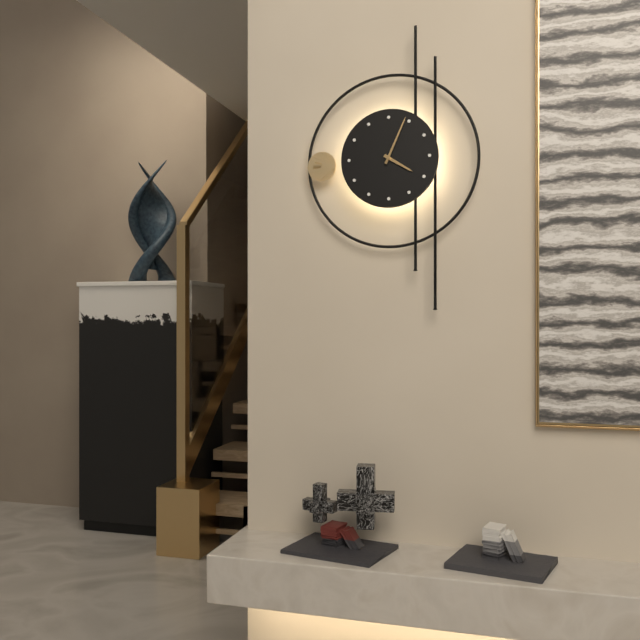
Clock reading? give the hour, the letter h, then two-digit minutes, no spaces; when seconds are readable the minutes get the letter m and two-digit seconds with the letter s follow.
4h04
